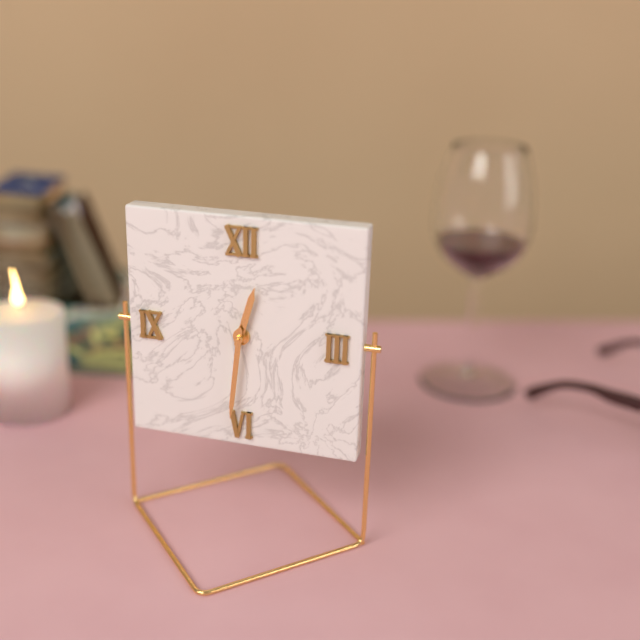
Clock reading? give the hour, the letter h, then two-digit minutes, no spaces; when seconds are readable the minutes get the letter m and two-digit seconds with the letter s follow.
12h31
